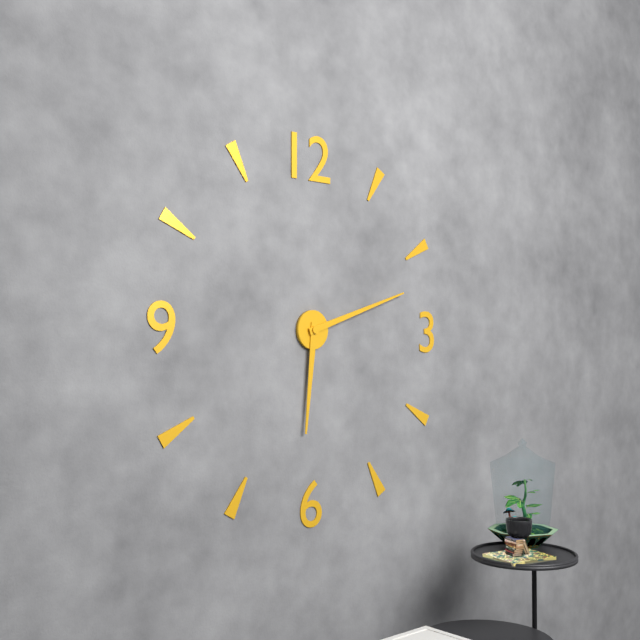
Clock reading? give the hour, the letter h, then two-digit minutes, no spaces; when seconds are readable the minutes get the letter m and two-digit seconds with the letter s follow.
6h12
